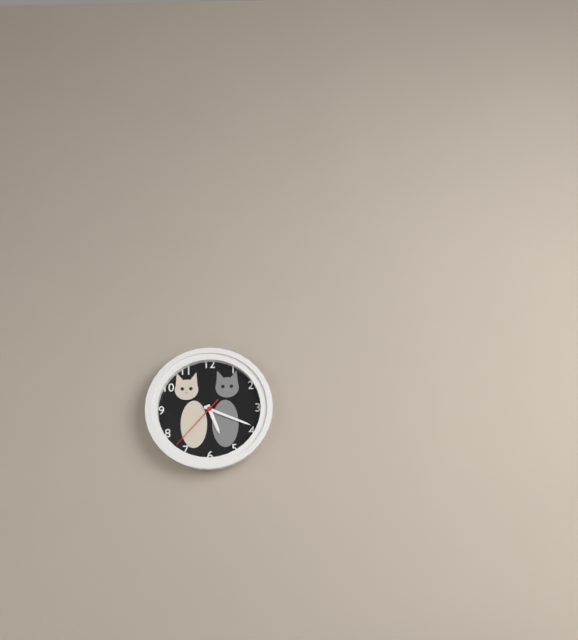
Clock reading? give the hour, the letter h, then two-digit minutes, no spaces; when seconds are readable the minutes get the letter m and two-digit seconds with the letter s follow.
5h19m37s
